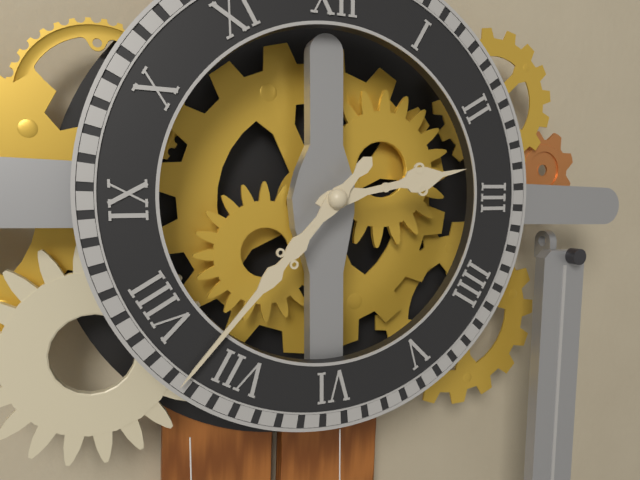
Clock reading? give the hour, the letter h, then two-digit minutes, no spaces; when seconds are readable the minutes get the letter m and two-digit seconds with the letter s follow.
2h37
